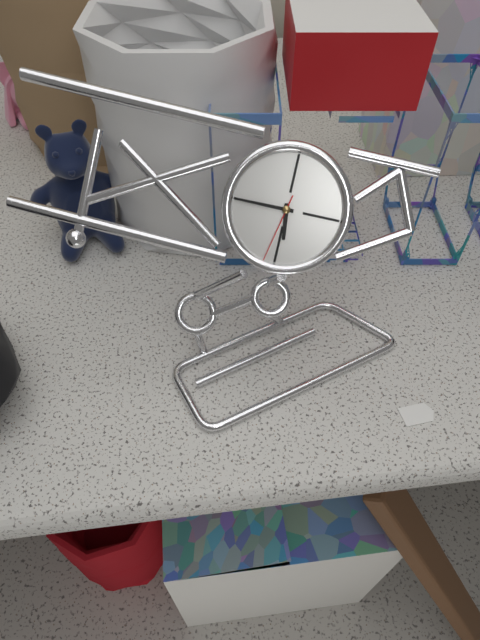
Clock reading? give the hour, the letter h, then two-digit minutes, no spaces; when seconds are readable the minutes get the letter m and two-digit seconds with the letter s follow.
5h45m32s
